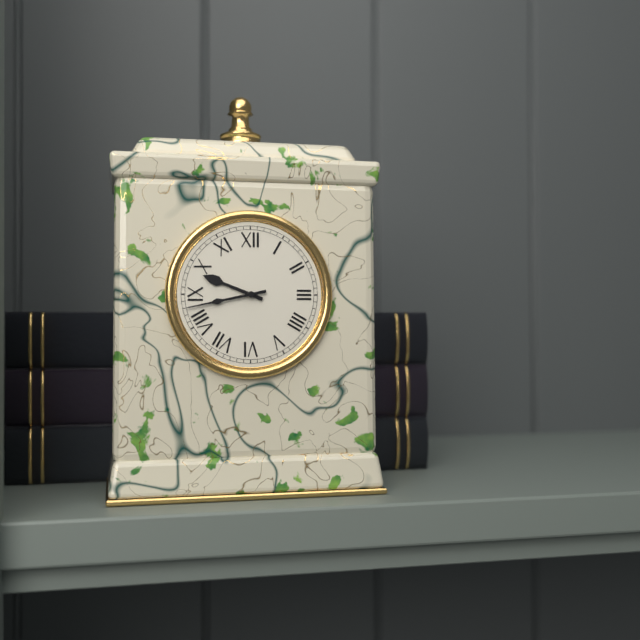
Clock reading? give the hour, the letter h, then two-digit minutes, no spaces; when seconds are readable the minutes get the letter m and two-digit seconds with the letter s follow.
9h43
